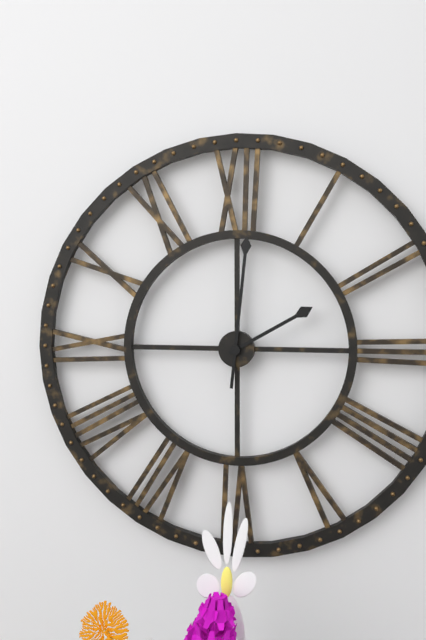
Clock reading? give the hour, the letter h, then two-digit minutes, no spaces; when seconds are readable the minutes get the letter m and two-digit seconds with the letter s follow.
2h01
